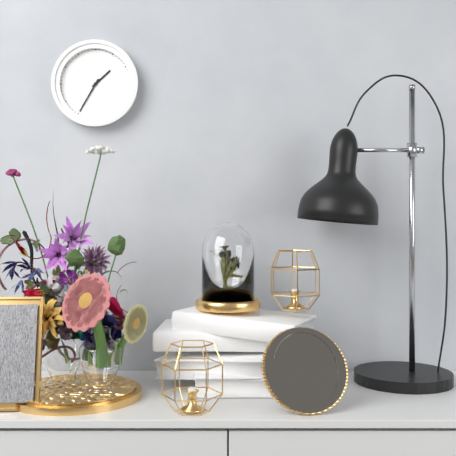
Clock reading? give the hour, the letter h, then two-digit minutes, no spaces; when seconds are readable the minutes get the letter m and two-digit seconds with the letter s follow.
1h35
